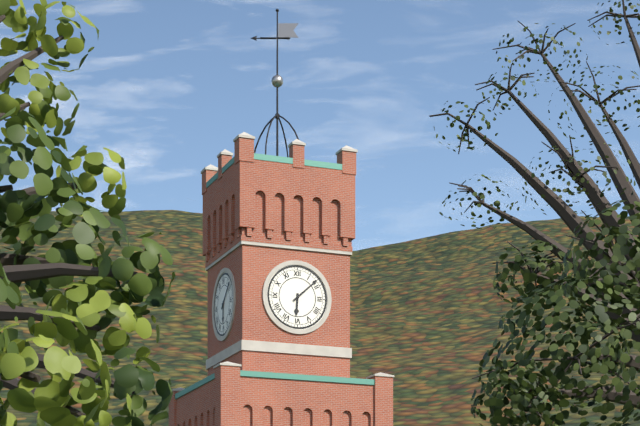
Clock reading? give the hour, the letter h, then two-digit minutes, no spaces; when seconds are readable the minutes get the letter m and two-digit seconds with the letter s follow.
6h08
